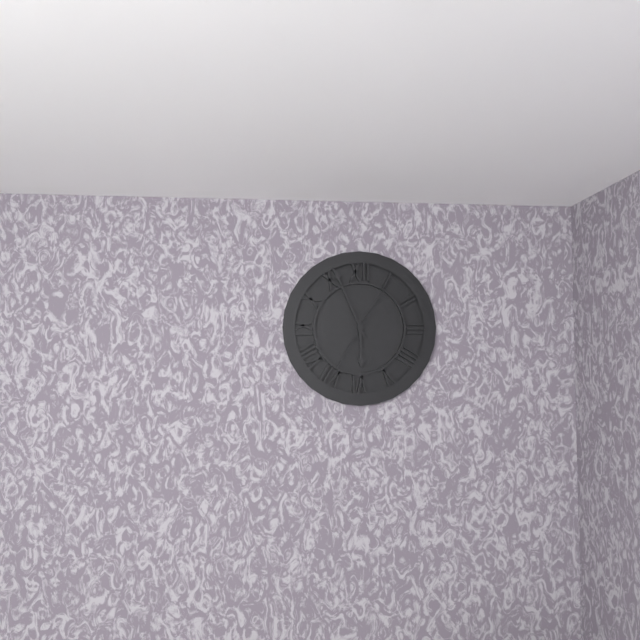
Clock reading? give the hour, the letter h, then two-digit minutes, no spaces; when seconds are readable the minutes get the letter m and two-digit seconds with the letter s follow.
5h56m05s
